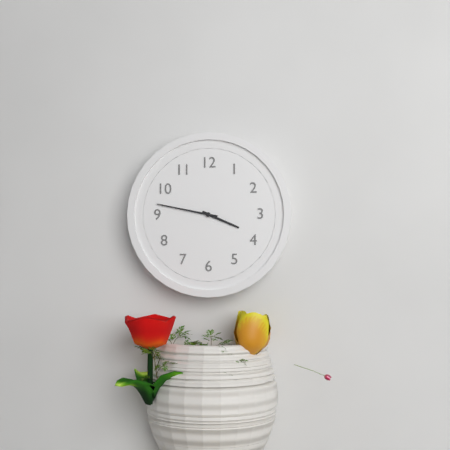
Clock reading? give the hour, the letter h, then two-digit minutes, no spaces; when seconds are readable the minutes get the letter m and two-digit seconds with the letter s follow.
3h47
